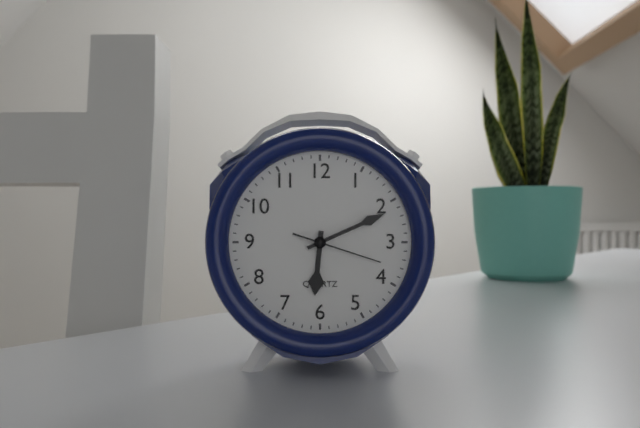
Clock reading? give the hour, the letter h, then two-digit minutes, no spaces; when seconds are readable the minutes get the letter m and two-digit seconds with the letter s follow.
6h11m18s
